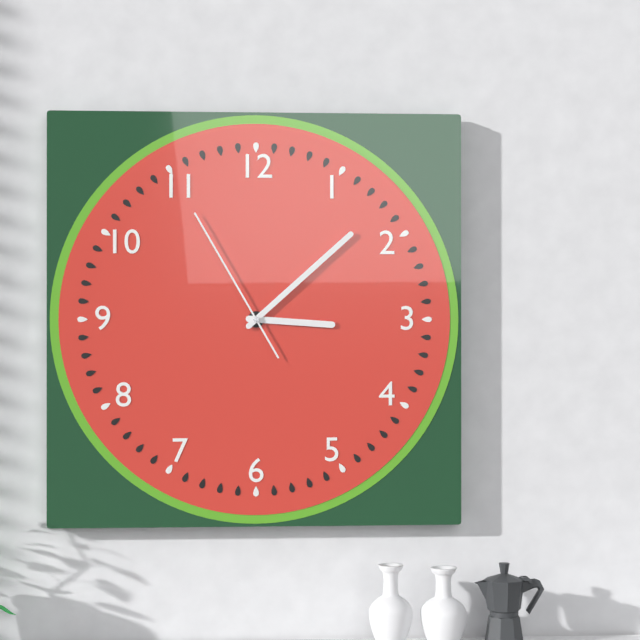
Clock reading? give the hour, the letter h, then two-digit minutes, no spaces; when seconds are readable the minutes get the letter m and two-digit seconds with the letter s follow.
3h08m55s
